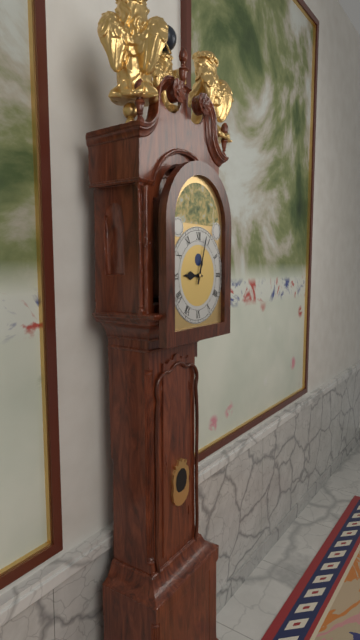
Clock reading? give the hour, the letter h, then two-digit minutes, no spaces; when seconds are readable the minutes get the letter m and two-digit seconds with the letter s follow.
9h03
